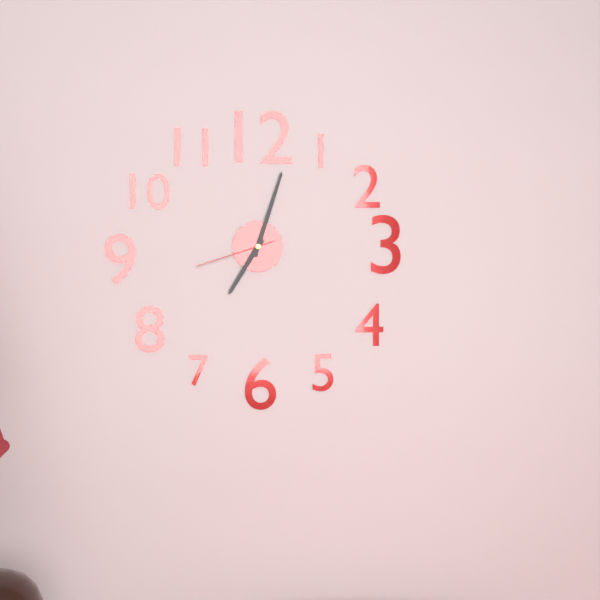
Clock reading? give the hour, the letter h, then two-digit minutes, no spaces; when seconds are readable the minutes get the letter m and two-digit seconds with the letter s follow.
7h03m42s
